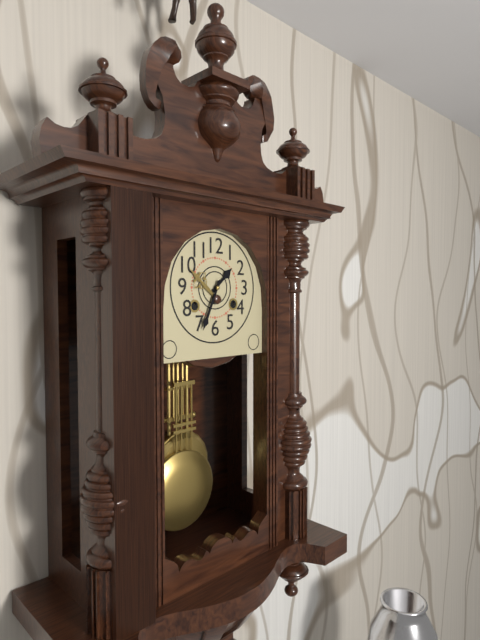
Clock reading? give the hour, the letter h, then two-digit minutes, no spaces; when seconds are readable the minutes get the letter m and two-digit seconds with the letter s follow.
1h34
